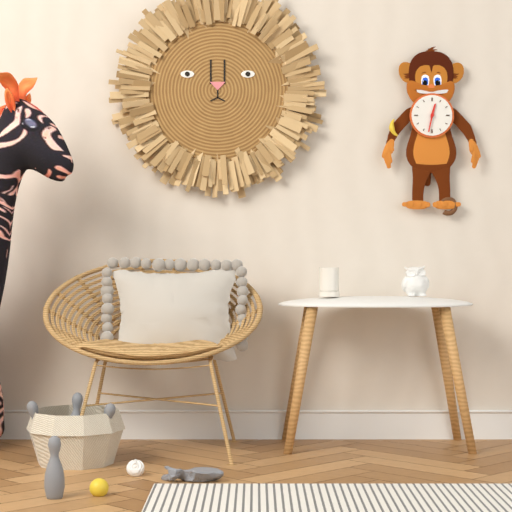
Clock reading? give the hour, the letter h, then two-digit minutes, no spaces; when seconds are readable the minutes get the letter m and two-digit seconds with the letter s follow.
12h32
